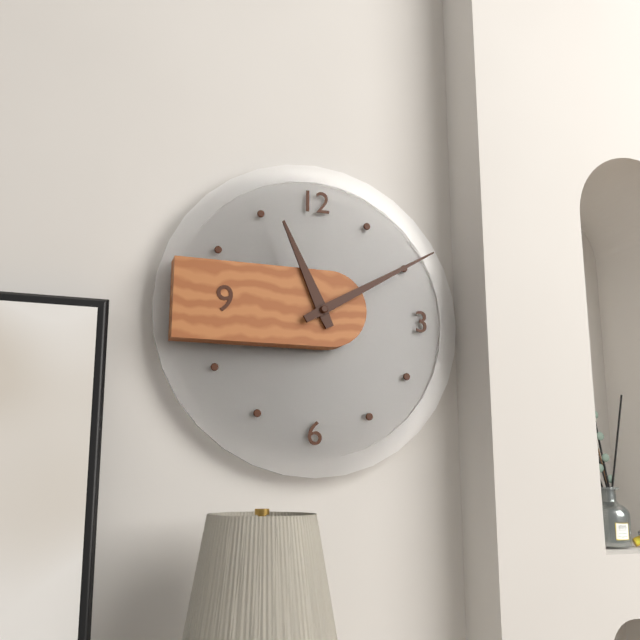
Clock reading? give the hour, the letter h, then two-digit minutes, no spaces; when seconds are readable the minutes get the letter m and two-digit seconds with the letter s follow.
11h10
